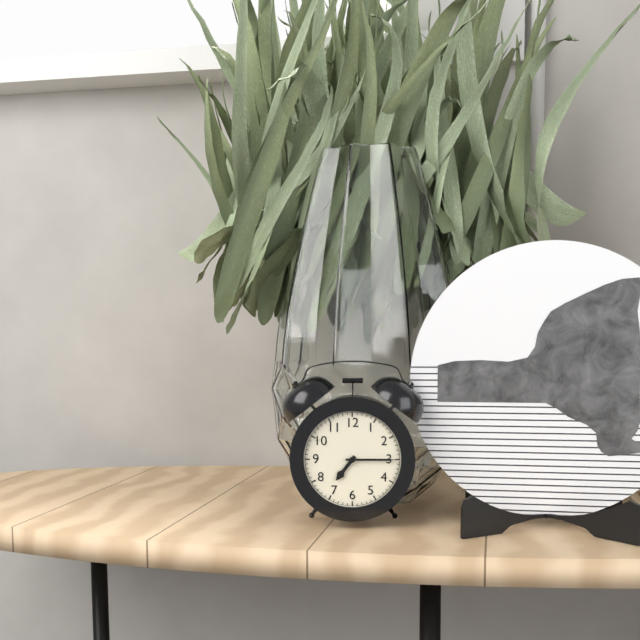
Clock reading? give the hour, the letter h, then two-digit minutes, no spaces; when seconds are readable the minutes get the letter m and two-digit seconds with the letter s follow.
7h15
